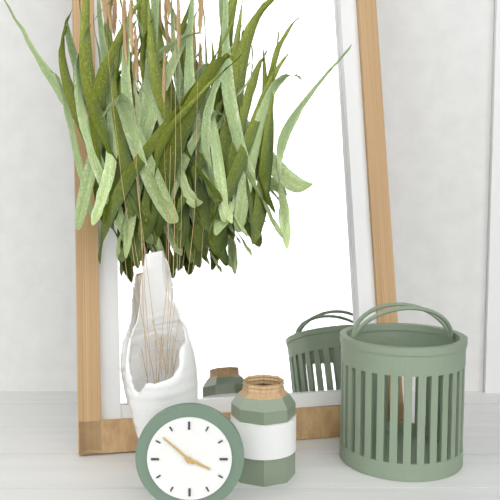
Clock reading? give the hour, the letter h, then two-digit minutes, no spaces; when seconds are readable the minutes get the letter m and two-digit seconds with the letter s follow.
3h52
